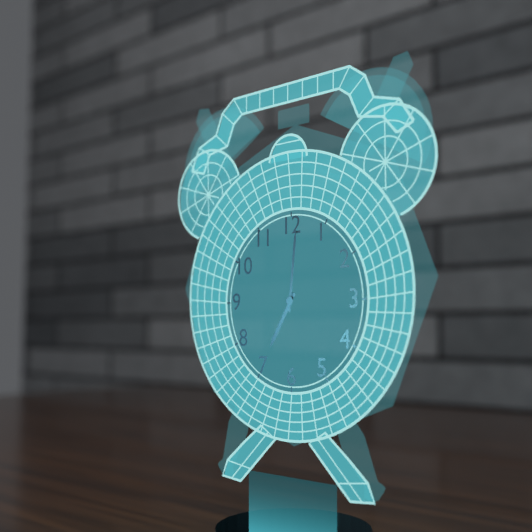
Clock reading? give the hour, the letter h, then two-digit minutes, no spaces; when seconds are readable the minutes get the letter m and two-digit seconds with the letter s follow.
7h01
